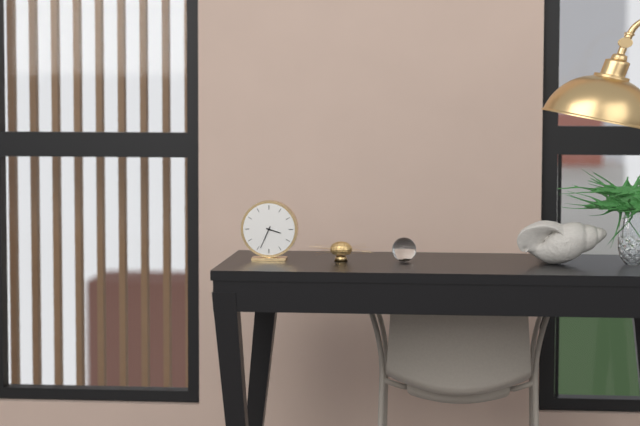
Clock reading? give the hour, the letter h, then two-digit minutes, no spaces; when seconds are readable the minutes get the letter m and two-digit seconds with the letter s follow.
3h34
